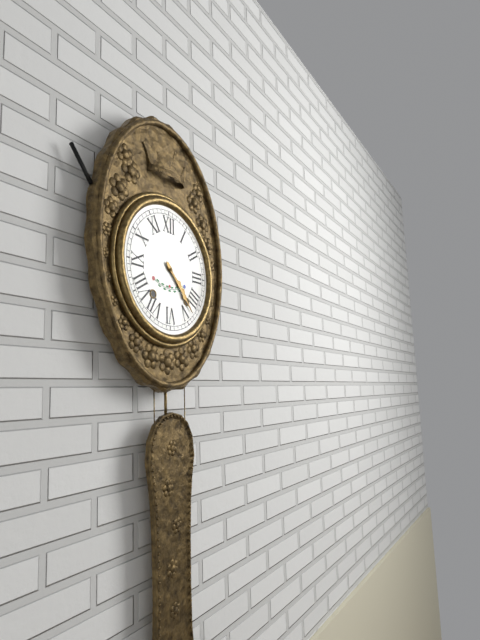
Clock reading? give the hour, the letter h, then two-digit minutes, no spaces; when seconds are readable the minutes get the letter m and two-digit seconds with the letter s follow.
4h23
